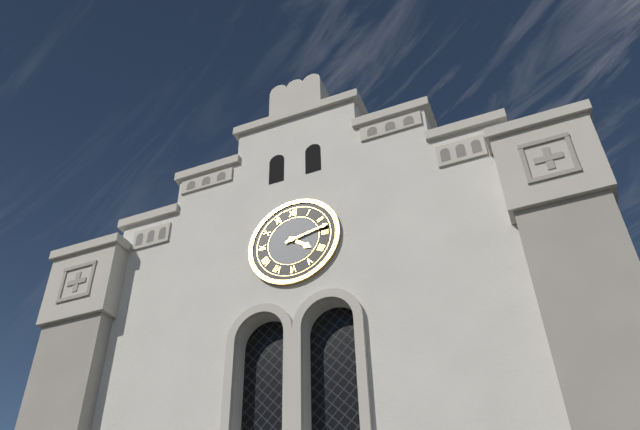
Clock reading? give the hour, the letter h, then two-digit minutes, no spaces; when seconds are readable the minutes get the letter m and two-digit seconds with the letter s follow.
4h13
